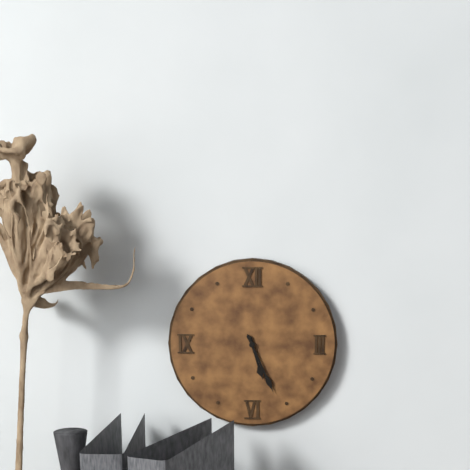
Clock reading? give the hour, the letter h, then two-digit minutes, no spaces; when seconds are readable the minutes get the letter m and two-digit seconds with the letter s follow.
5h26
